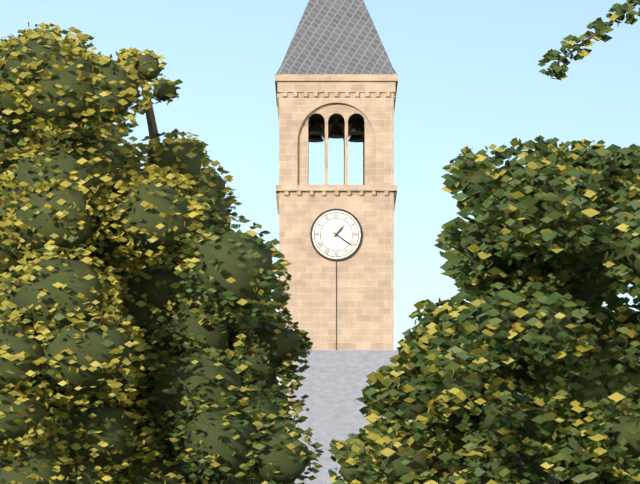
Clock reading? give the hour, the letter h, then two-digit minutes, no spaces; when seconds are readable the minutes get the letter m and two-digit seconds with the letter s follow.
1h21
